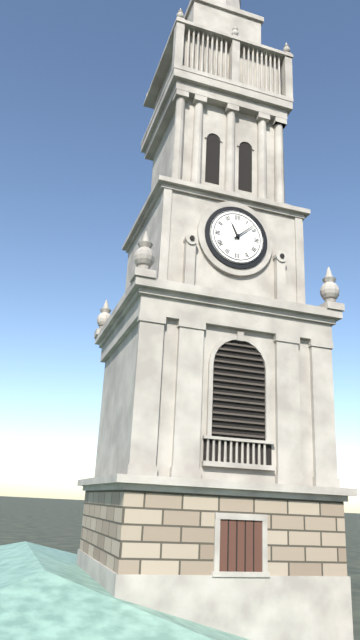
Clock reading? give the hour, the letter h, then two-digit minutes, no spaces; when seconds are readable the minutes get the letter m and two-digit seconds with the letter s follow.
11h08
